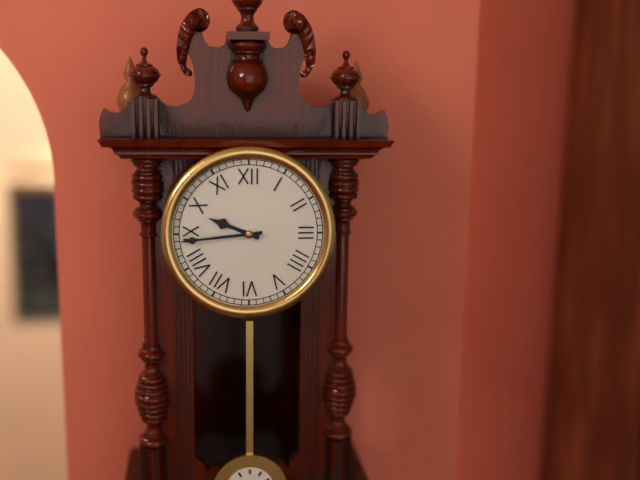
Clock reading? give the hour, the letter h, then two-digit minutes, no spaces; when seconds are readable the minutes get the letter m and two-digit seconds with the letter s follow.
9h44
